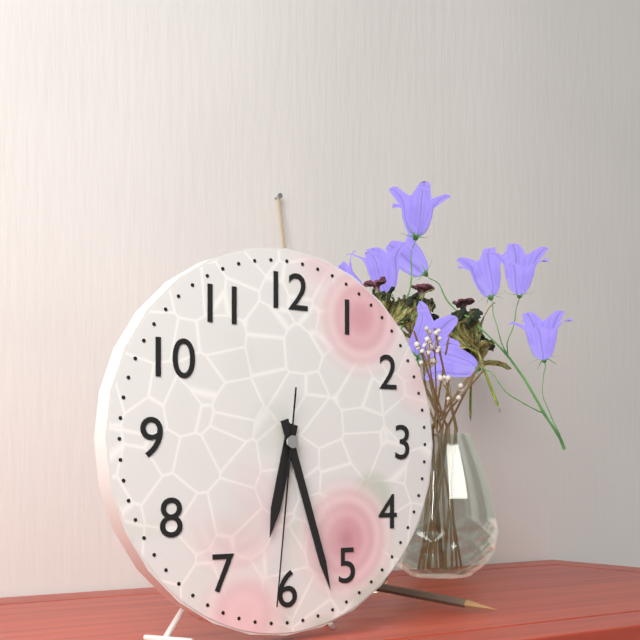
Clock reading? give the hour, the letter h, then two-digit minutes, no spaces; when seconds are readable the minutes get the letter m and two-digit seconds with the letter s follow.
6h27m31s
